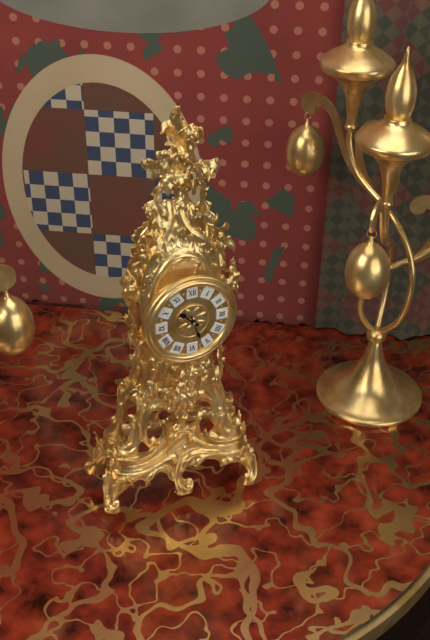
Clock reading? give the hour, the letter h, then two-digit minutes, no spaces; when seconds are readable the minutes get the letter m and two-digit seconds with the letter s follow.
10h27
